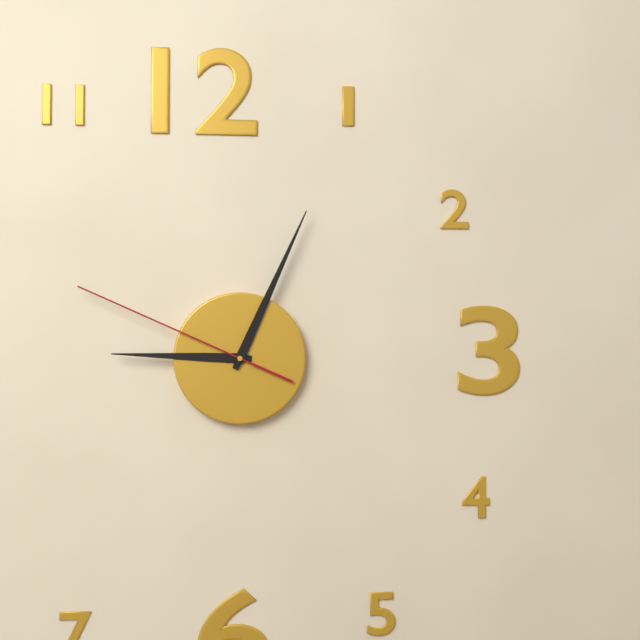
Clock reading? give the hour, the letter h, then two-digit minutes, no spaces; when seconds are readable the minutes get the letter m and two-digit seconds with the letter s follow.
9h04m49s
